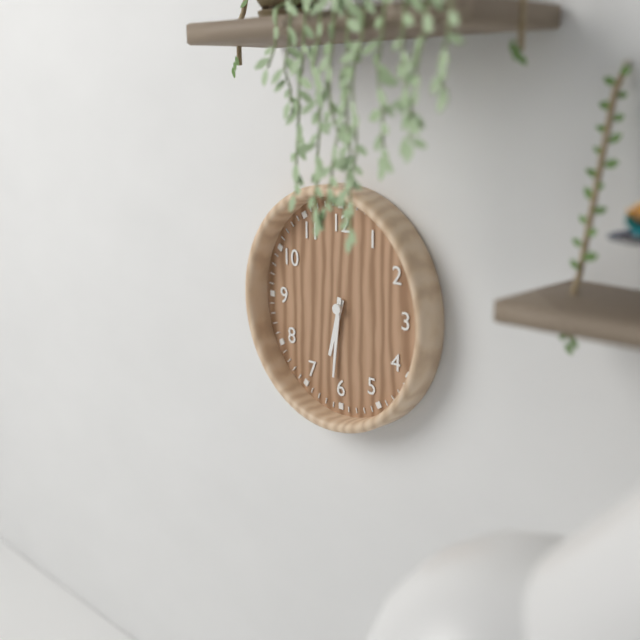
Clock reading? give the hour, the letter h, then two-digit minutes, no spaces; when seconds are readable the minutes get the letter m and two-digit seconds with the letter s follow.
6h31
